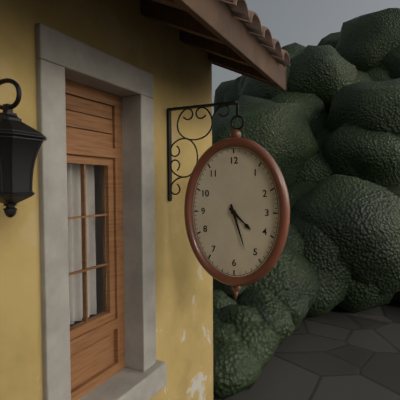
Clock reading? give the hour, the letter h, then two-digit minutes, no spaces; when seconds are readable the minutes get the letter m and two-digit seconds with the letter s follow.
4h27
